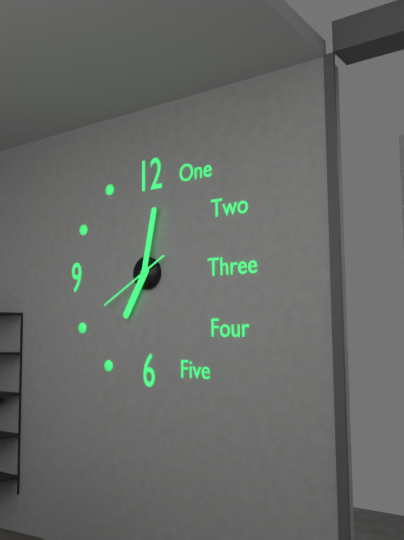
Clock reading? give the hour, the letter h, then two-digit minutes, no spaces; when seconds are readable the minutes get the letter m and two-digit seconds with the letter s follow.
7h02m40s
